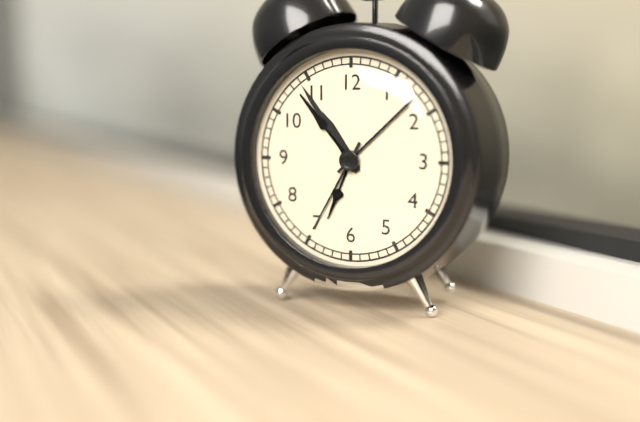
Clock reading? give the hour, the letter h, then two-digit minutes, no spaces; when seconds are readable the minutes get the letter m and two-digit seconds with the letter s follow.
10h54m35s
